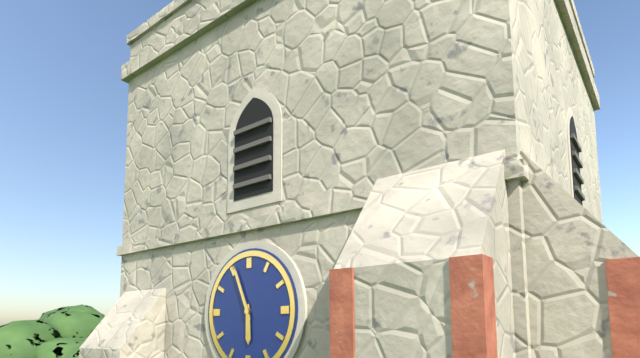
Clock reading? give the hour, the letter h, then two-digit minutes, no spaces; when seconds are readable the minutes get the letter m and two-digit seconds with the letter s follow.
5h56
